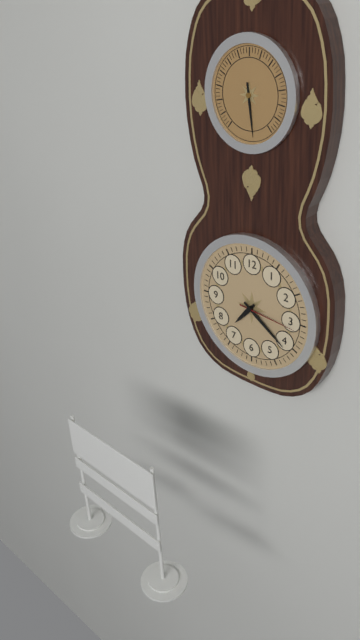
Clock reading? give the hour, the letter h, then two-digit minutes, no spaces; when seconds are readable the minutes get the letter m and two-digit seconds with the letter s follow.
7h21m16s
